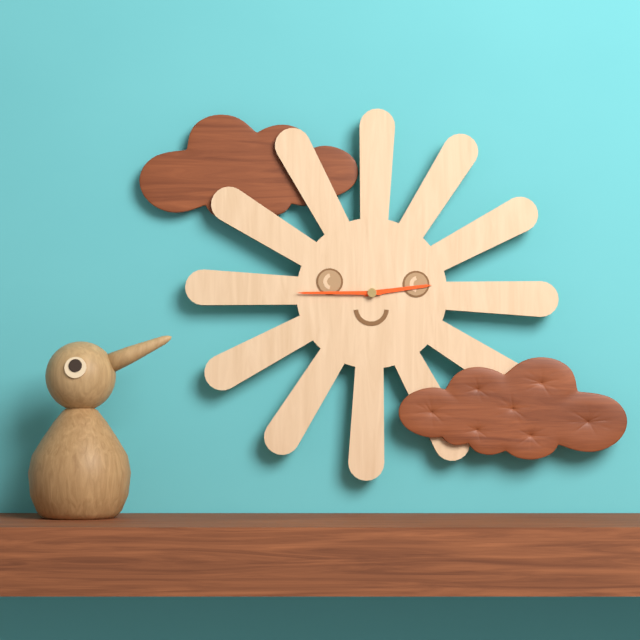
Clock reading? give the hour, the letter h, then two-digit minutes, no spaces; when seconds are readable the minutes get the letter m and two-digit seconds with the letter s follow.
2h45
